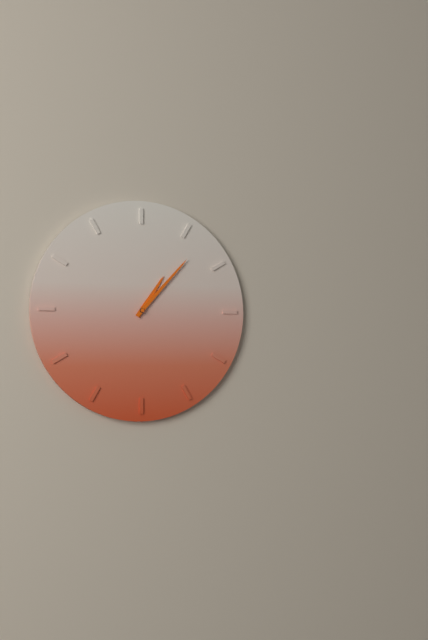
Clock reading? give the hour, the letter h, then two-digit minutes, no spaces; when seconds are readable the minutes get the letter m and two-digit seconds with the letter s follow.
1h07
